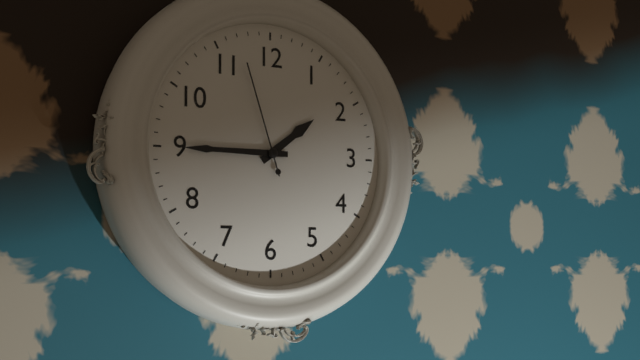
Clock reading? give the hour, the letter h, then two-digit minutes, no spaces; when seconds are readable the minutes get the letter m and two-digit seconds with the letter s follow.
1h45m57s
